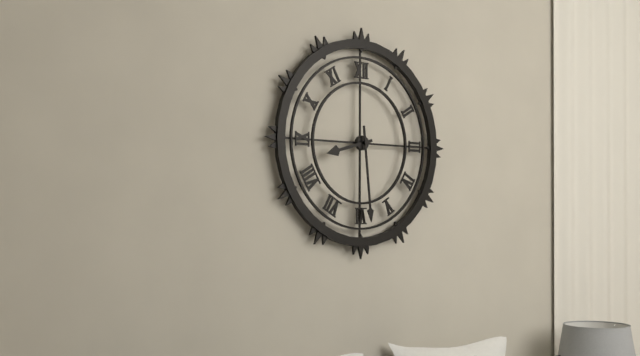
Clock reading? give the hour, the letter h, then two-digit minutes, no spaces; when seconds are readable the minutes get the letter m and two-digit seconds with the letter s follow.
8h29
